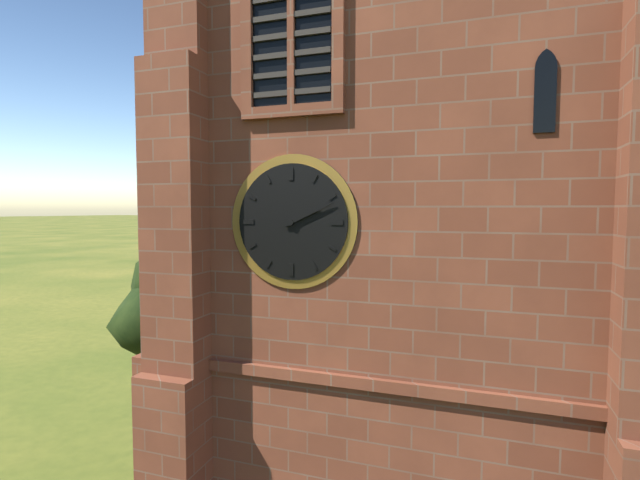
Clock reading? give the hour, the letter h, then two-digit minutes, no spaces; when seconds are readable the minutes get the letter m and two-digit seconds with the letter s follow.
2h11
